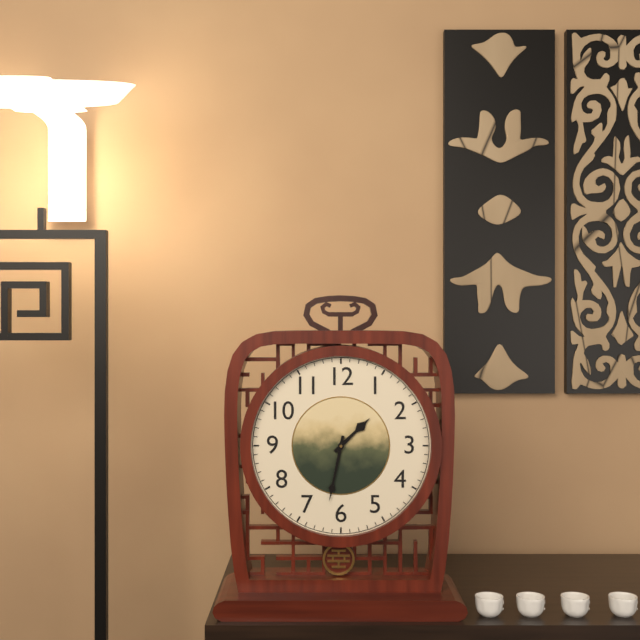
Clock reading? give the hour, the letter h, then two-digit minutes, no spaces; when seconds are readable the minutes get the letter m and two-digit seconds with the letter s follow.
1h32
